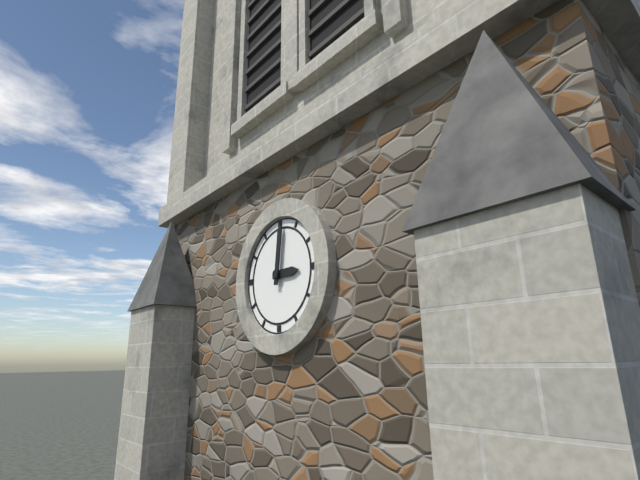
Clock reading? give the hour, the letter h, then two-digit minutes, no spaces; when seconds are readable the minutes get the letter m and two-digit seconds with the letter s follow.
3h01
